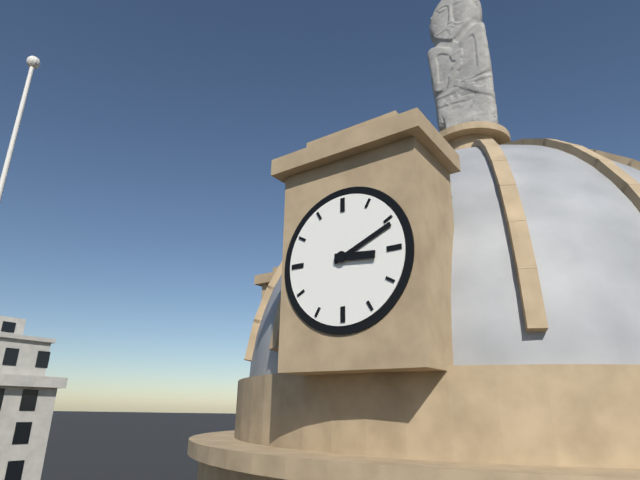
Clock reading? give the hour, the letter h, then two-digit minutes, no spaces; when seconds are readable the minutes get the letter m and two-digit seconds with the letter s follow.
3h11
